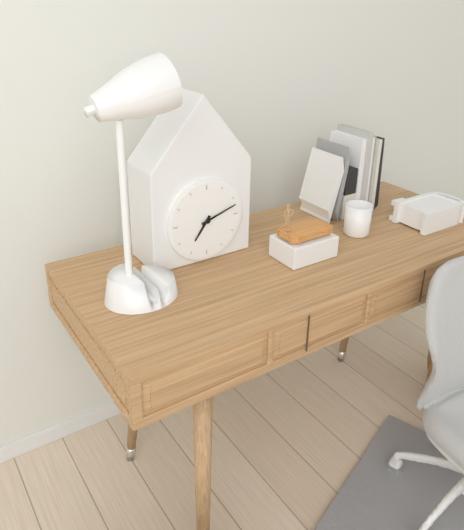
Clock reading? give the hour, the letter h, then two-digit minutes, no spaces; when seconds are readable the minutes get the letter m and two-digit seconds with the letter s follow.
7h12
